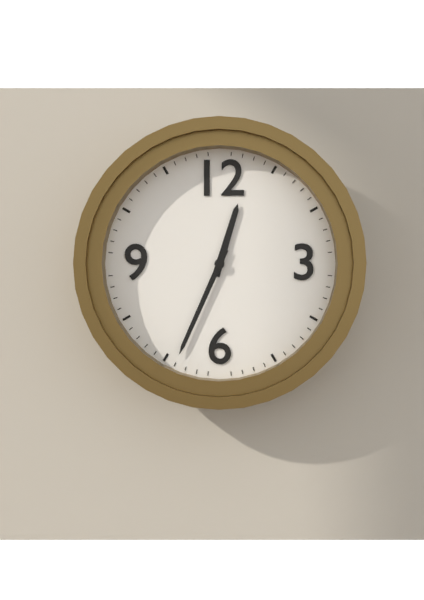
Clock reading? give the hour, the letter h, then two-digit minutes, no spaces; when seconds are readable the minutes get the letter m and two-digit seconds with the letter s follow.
12h34
